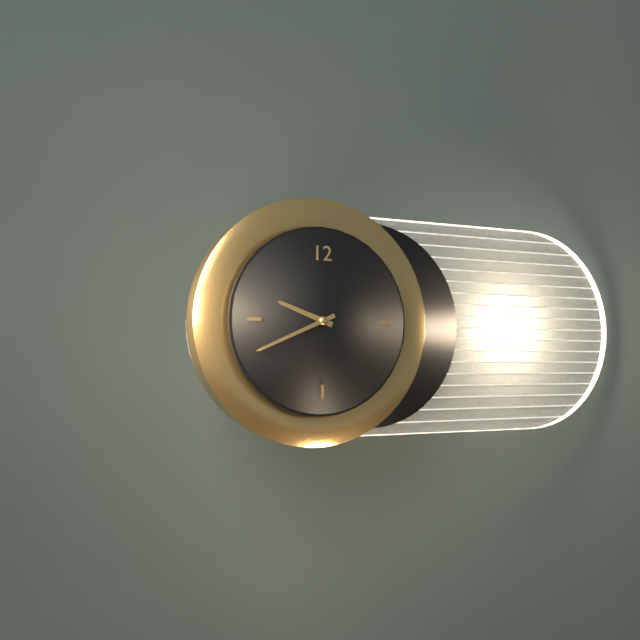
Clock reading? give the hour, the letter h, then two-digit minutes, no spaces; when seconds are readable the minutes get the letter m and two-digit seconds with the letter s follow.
9h41
